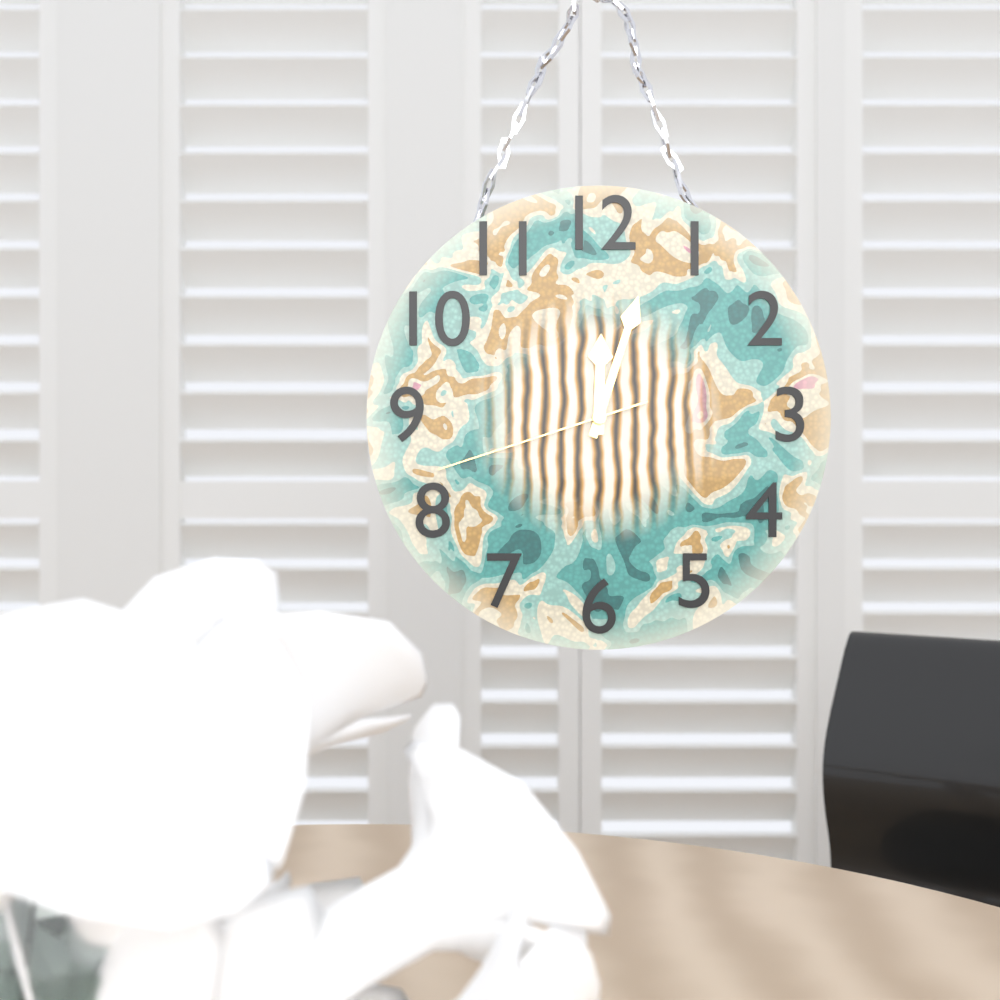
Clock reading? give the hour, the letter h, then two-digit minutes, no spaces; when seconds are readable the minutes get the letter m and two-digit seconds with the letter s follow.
12h03m42s
